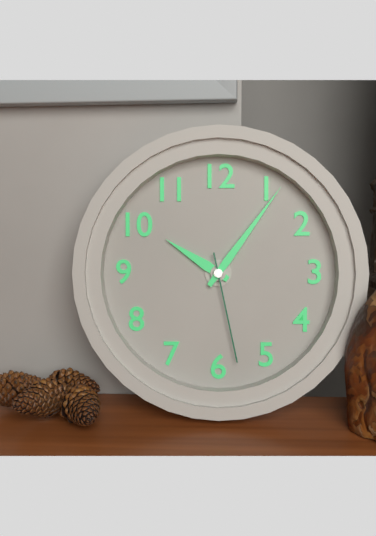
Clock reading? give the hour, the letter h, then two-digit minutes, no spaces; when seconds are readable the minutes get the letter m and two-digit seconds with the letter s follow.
10h06m28s
